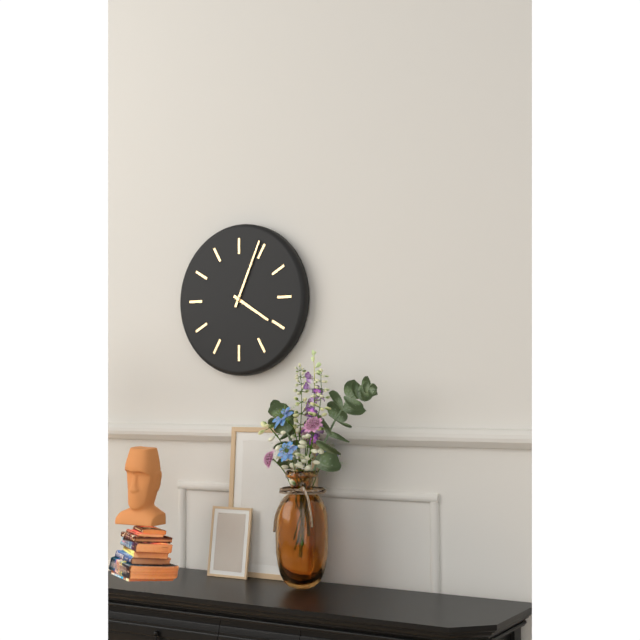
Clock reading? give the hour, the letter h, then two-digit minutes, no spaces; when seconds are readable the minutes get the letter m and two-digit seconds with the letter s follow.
4h04
